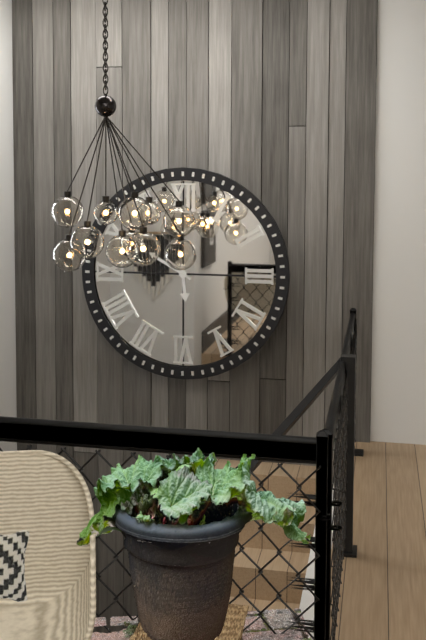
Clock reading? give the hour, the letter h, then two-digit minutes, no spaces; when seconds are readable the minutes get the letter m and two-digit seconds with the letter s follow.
5h50
